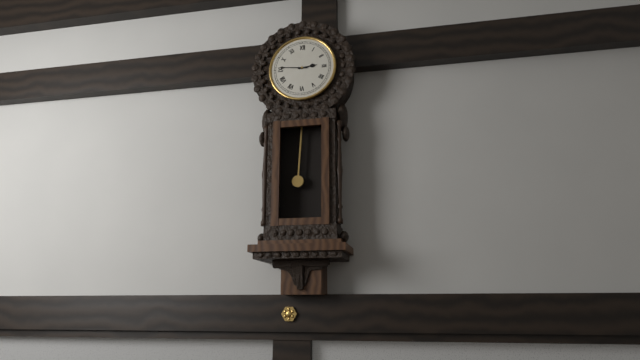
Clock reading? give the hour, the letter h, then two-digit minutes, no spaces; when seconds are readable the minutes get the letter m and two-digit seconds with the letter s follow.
2h46
